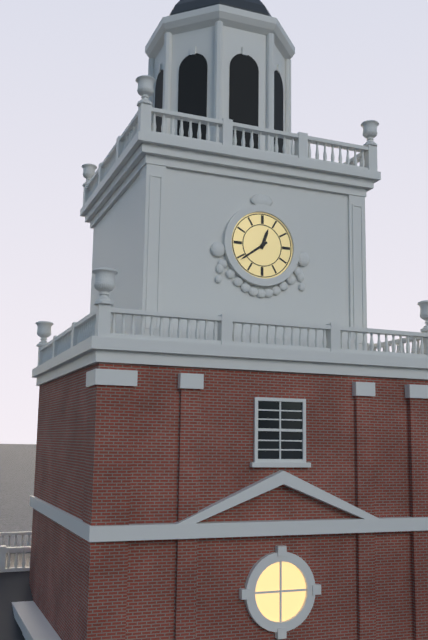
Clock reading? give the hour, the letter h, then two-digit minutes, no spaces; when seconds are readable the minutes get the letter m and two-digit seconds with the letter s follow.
12h39
